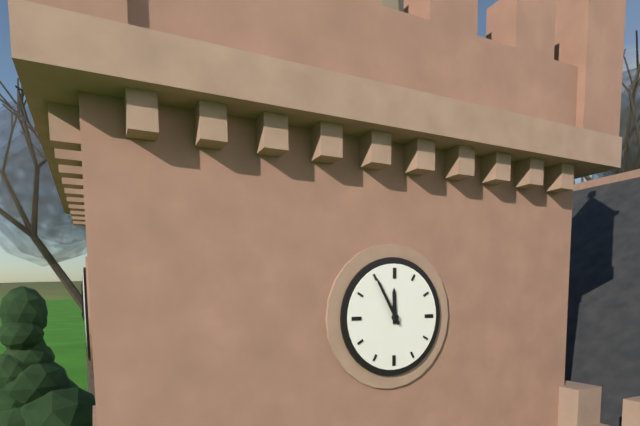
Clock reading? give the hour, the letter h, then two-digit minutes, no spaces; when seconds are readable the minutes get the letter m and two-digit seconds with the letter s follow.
11h55
